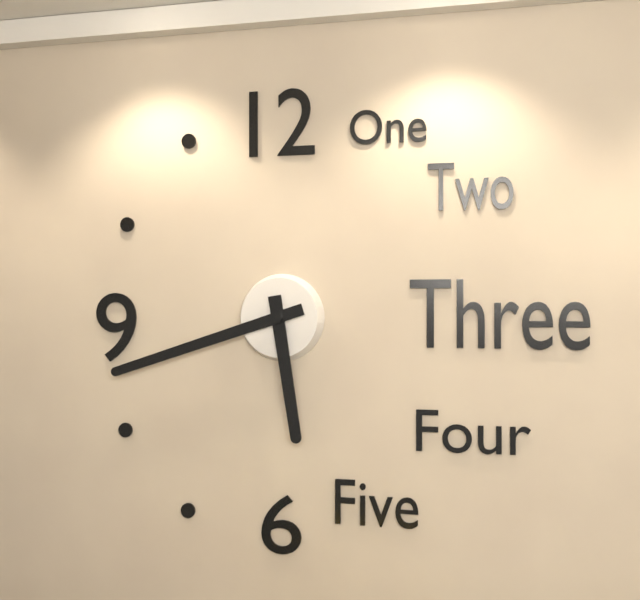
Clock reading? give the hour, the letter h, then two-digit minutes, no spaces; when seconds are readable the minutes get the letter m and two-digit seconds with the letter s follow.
5h42
